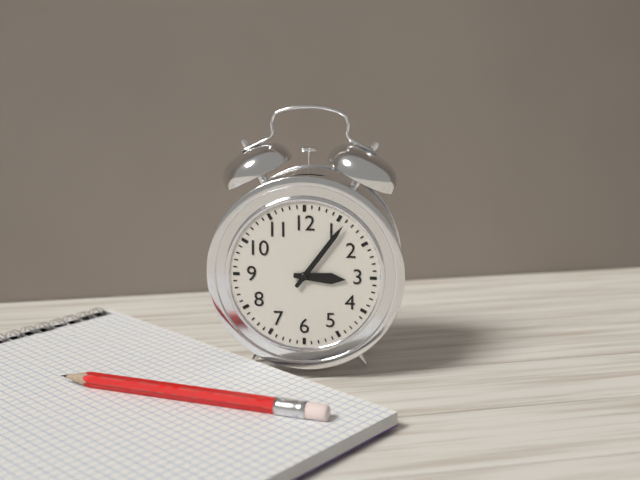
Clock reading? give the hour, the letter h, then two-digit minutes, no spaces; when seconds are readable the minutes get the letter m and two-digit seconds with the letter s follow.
3h06
